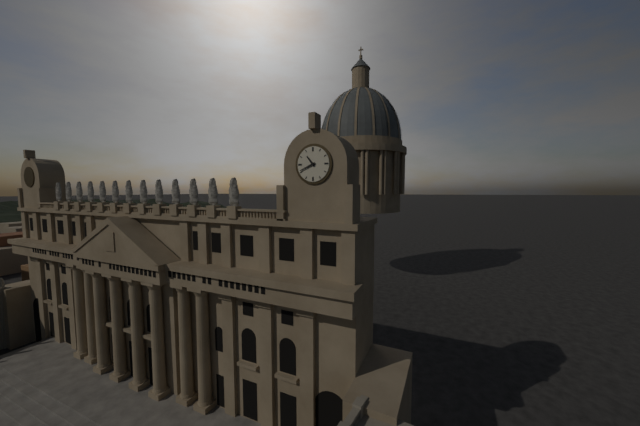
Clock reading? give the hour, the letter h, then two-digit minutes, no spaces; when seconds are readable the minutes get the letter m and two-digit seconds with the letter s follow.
10h41
